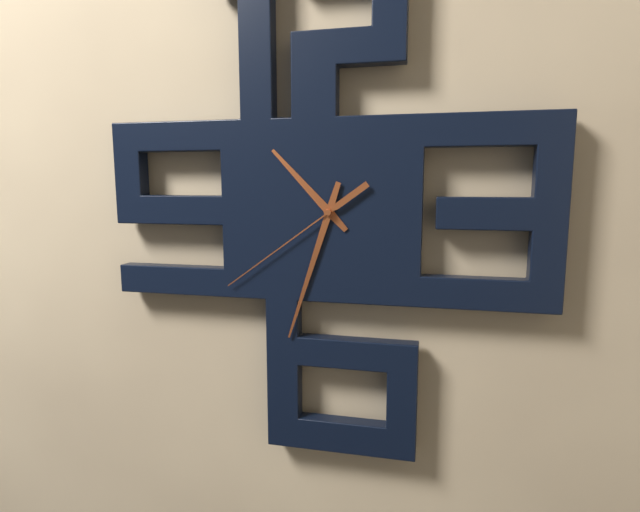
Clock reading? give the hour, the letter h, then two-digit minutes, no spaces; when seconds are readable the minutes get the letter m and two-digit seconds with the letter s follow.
10h33m39s
